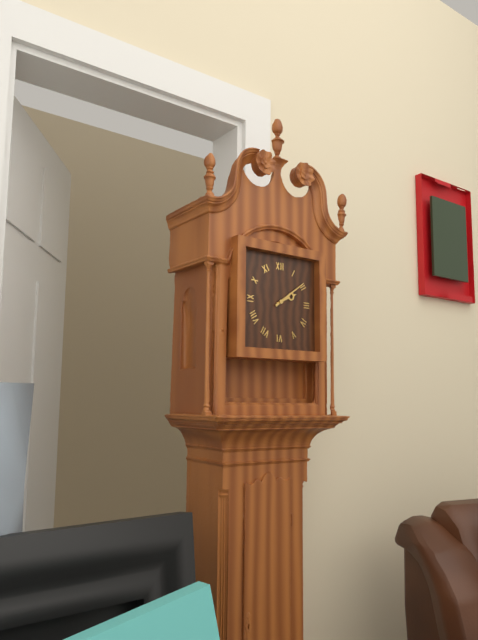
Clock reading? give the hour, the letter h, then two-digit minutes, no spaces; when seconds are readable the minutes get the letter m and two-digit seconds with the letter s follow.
2h09
